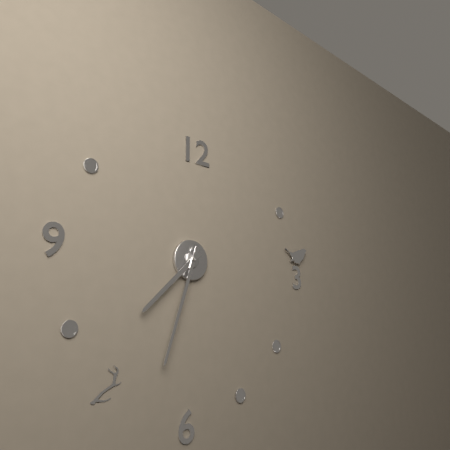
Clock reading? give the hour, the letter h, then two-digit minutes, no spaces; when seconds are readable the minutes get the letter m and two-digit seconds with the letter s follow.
7h33
